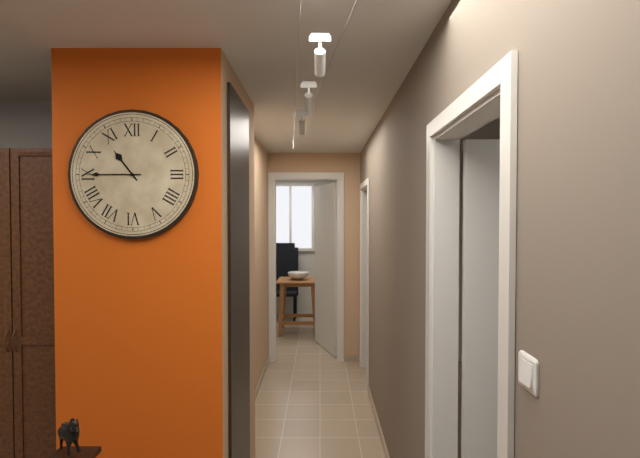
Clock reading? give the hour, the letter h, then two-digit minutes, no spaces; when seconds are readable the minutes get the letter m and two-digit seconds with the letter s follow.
10h45
